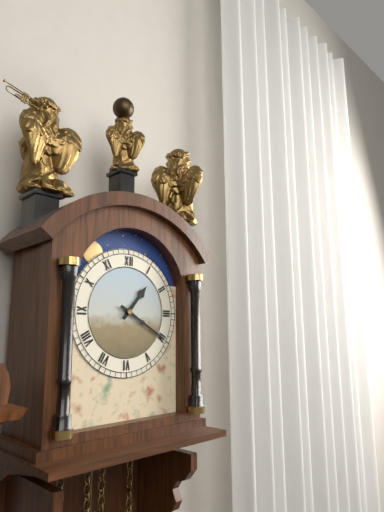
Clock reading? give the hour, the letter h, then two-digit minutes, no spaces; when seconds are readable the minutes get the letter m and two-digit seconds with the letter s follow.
1h20
